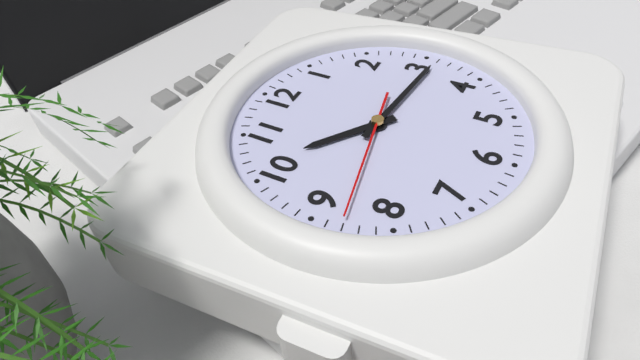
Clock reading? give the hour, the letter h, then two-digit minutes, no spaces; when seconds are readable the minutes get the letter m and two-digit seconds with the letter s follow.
10h16m43s
